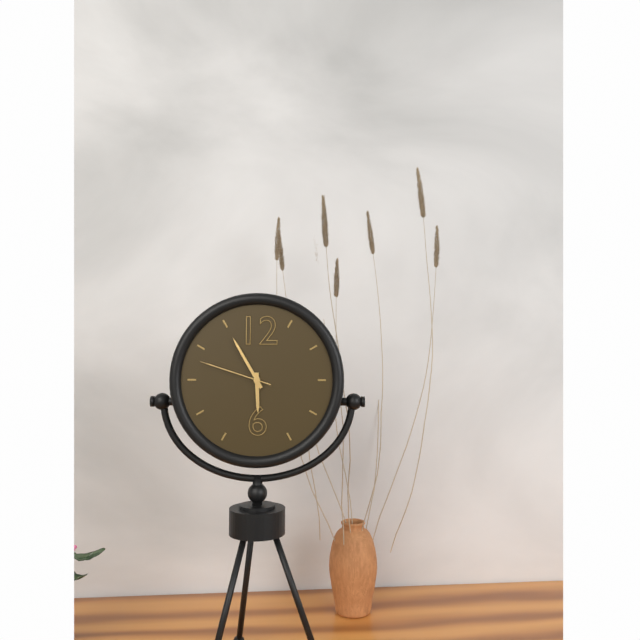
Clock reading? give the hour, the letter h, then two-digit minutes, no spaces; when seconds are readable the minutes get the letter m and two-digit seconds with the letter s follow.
5h55m48s
